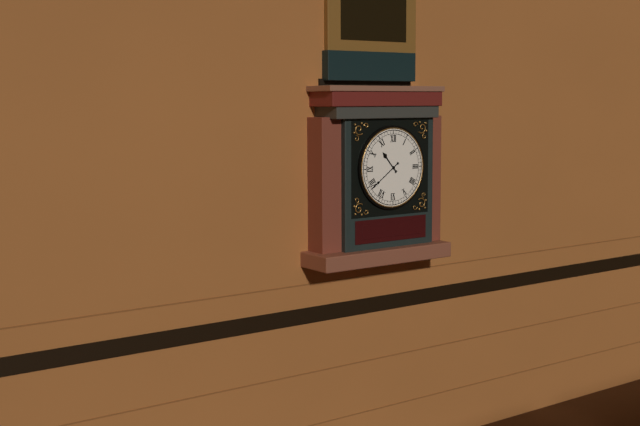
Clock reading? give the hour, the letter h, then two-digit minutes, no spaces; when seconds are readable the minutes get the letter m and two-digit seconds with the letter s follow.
10h39
